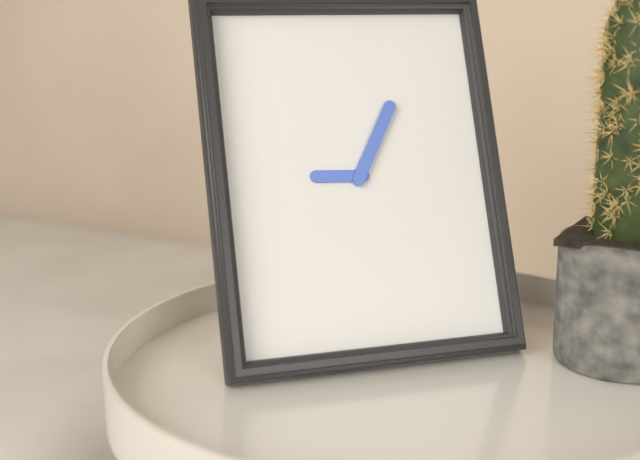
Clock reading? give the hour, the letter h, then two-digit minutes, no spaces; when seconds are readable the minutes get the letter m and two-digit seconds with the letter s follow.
9h05
